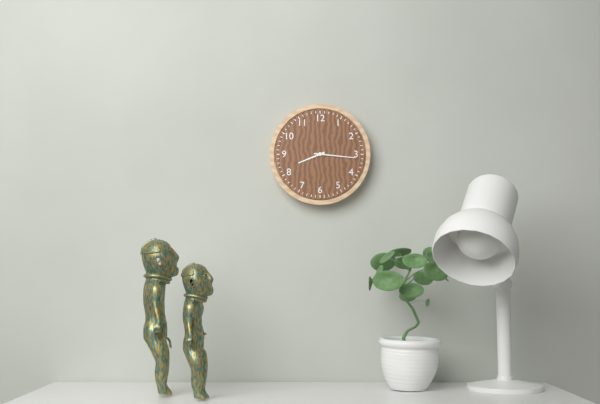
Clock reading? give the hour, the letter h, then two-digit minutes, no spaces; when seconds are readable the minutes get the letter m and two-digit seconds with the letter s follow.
8h16
